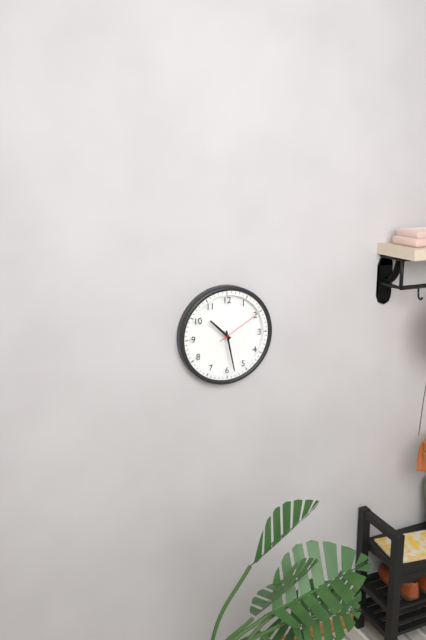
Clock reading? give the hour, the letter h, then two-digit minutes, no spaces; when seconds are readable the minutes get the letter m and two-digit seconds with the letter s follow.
10h28
